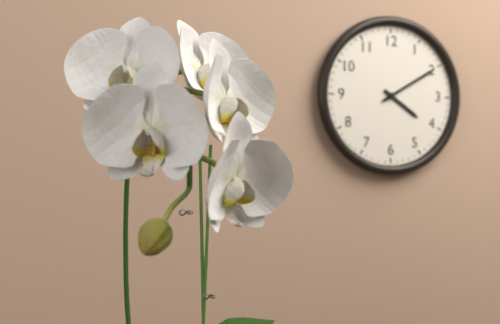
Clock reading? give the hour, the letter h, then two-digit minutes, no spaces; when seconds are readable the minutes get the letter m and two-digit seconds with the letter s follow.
4h10
